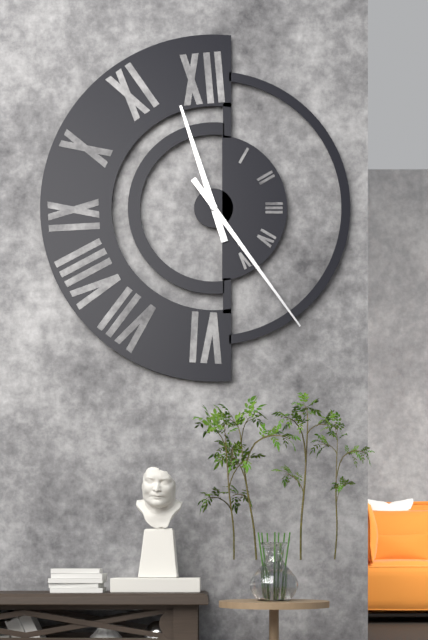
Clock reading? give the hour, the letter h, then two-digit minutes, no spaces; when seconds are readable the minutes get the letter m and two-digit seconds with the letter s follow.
11h24
